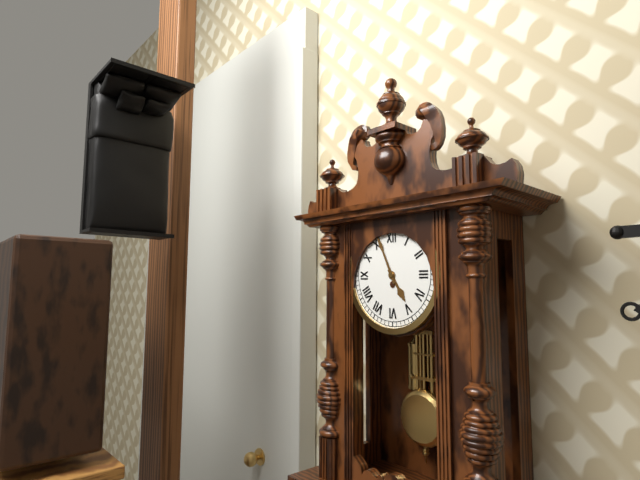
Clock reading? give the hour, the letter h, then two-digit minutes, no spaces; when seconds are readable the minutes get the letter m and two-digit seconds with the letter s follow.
4h56
